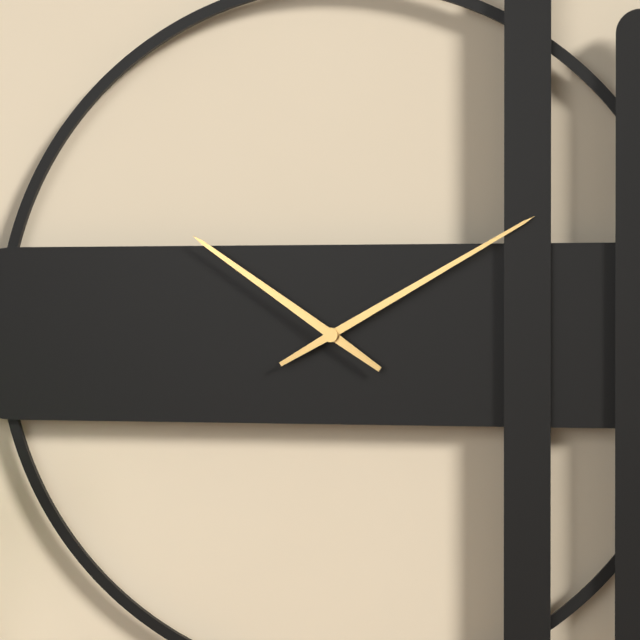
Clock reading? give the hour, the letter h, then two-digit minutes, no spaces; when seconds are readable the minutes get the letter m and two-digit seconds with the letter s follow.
10h10
